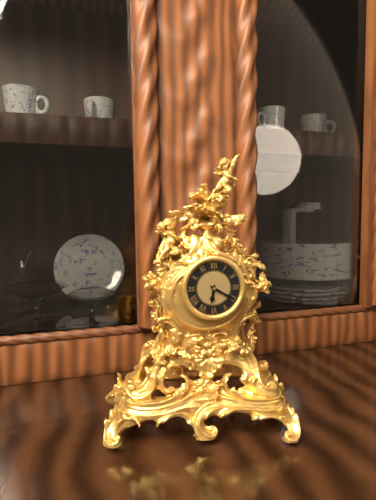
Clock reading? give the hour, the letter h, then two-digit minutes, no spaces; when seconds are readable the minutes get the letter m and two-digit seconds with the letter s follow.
6h20
